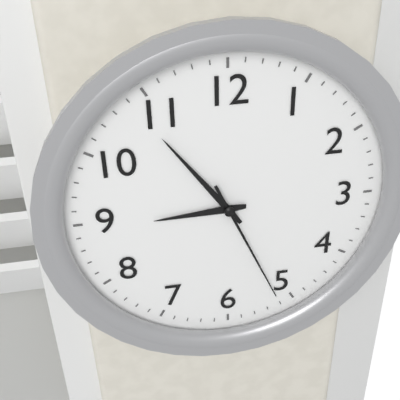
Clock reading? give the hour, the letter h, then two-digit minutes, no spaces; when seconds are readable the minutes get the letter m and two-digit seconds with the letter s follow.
8h54m26s
